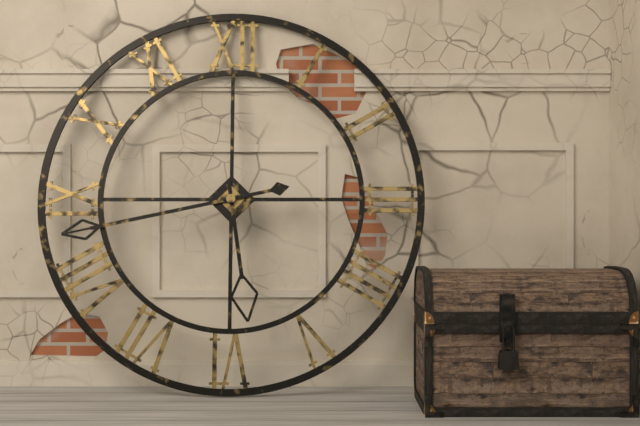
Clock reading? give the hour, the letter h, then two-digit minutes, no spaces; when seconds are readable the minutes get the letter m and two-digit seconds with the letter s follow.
5h43
